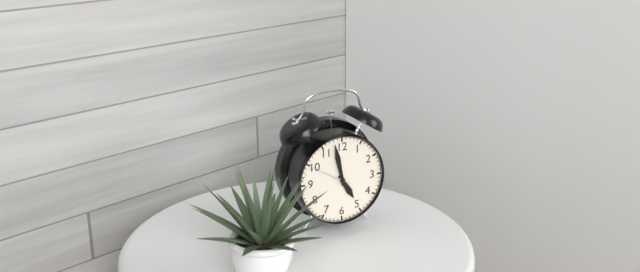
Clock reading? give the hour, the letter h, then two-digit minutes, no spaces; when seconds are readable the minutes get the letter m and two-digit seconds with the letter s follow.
4h58
